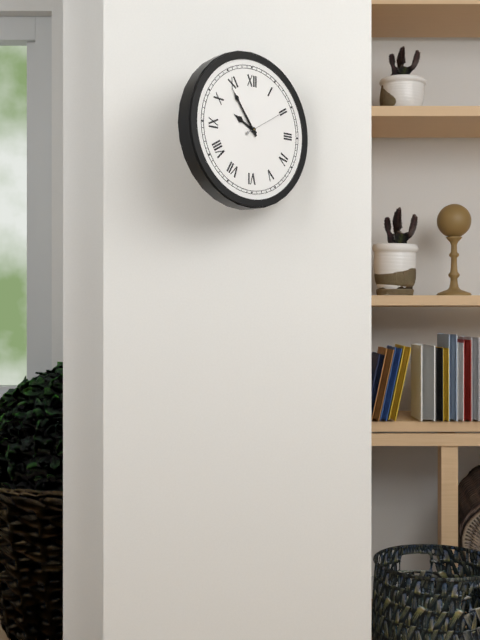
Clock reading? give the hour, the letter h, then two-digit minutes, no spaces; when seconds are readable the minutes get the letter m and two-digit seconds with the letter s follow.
9h54
